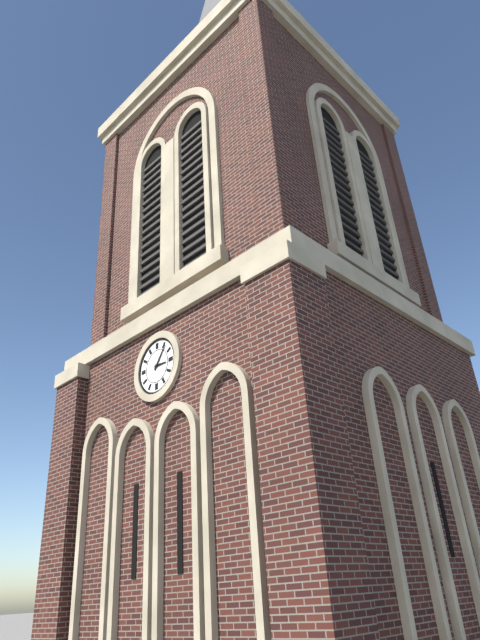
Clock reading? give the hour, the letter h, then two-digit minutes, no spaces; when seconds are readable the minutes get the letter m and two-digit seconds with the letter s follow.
3h06
